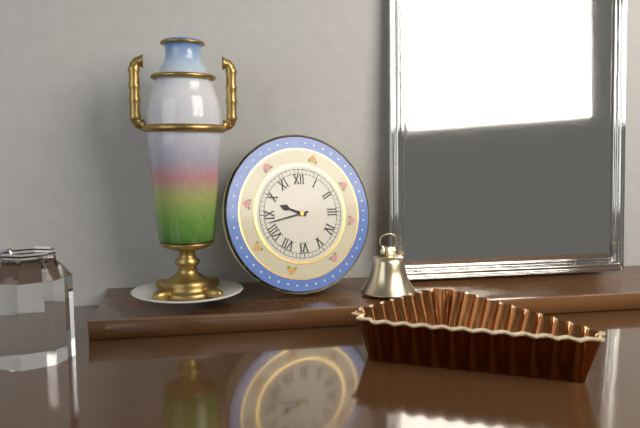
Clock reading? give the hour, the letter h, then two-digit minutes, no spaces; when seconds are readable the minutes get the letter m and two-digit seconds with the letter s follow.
9h43
